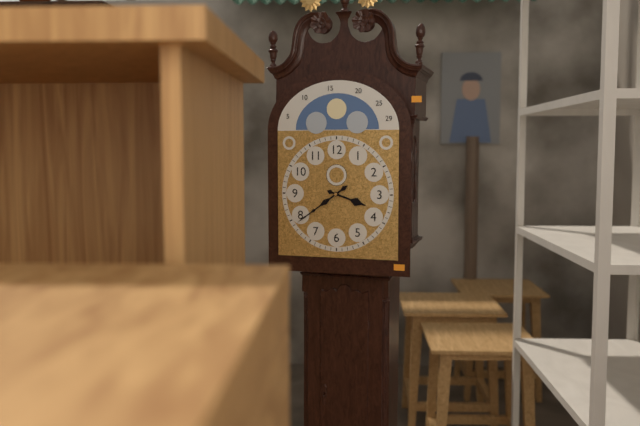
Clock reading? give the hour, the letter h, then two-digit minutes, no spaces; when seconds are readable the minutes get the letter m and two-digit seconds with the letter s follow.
3h39
